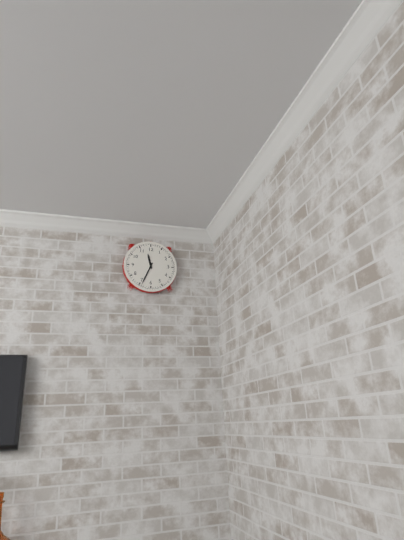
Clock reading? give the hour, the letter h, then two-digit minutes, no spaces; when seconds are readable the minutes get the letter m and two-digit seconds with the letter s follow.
11h34
